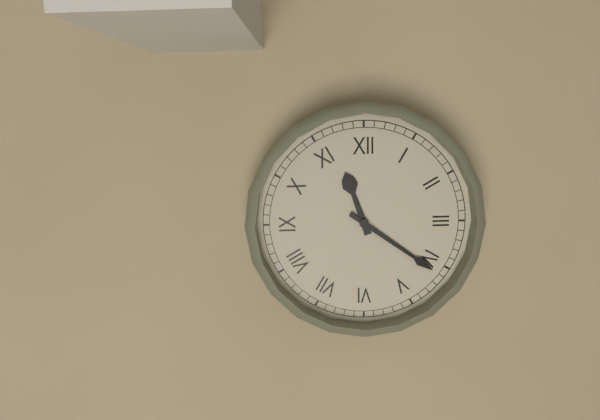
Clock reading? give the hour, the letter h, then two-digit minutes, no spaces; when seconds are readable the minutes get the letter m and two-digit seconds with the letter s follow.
11h21
